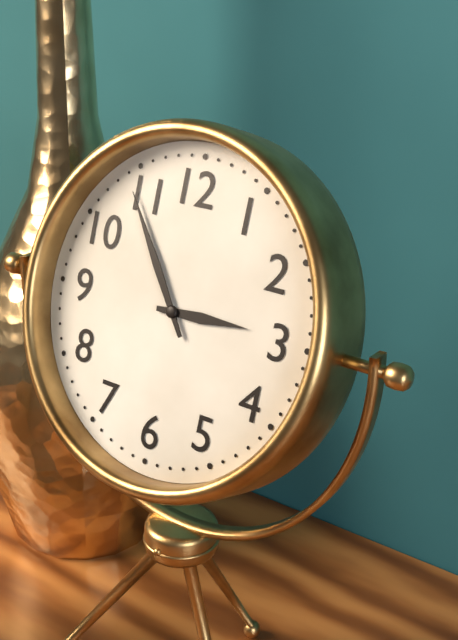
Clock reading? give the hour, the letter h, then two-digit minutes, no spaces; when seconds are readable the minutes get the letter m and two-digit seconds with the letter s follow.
2h54
